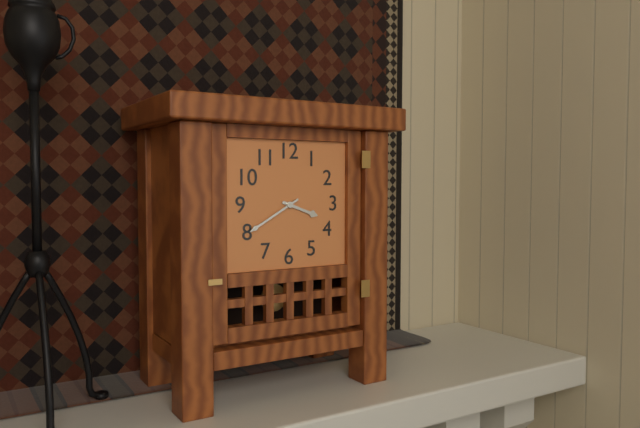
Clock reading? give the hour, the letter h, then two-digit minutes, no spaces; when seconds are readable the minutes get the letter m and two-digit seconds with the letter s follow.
3h40
